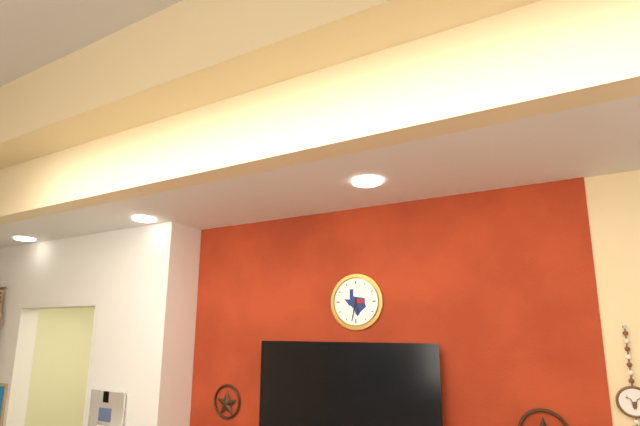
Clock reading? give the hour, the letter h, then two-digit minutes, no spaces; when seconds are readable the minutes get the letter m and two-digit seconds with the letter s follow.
5h32
